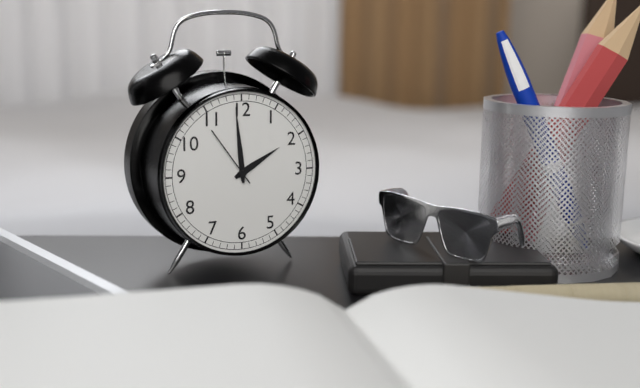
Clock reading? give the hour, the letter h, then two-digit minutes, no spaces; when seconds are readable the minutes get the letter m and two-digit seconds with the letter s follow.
1h59m54s
